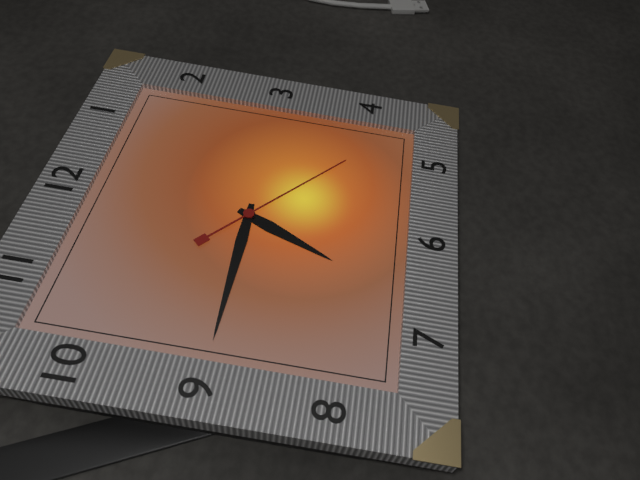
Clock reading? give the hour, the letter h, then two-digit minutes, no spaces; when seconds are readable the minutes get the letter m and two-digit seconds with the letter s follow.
6h45m22s
